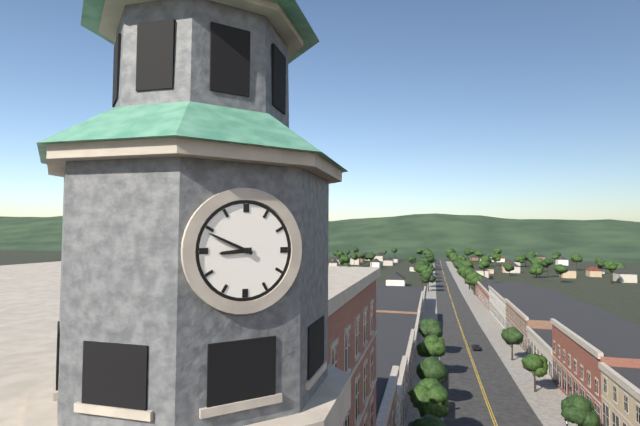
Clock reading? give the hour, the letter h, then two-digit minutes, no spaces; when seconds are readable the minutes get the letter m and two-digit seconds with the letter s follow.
8h49
